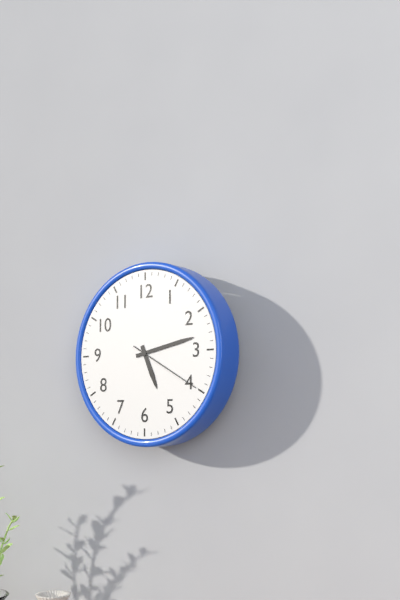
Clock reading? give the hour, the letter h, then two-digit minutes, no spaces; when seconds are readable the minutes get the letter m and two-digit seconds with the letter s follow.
5h13m20s
